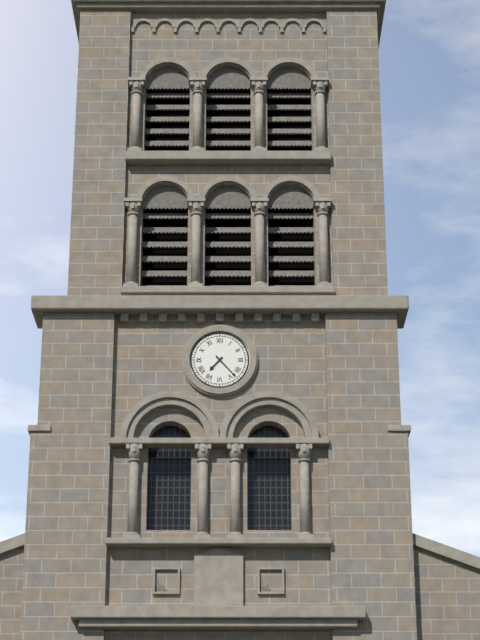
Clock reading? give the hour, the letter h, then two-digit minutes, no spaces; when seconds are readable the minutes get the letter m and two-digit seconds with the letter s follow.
7h23
